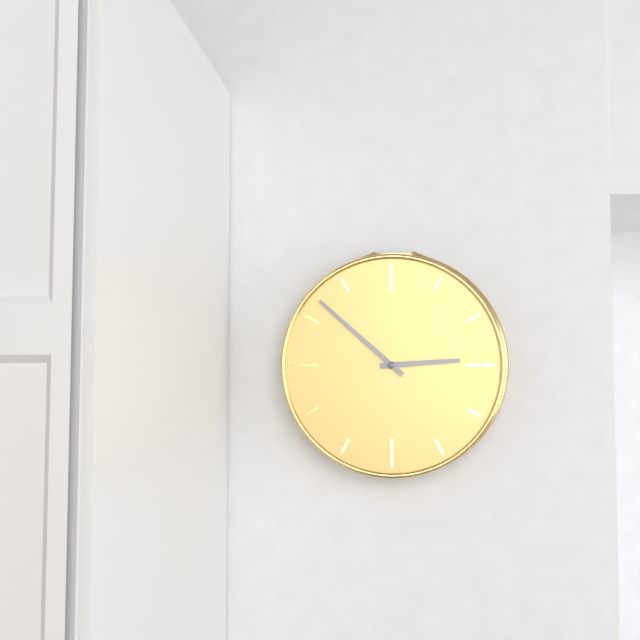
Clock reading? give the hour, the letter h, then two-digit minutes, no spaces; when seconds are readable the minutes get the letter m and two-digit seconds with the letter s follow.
2h52
